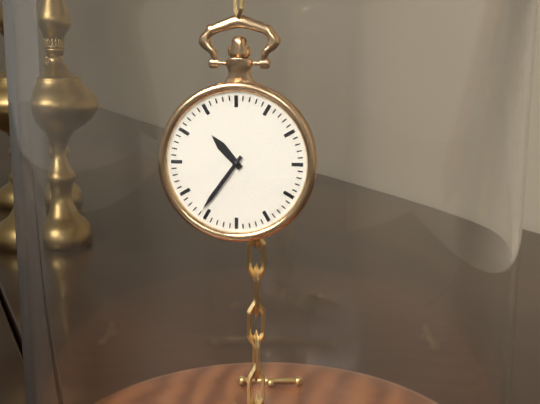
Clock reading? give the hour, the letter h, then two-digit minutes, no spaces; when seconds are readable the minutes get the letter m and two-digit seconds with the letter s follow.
10h36
